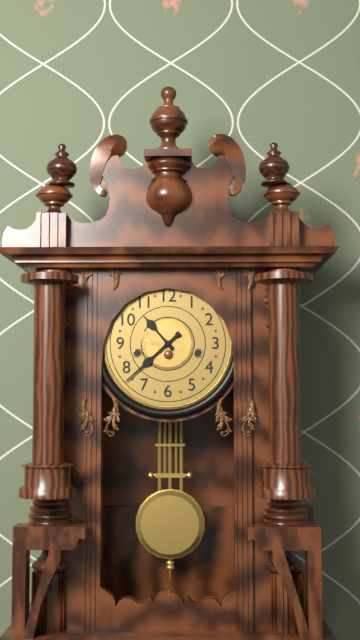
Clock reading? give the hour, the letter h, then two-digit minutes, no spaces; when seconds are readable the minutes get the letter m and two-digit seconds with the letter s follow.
10h38
